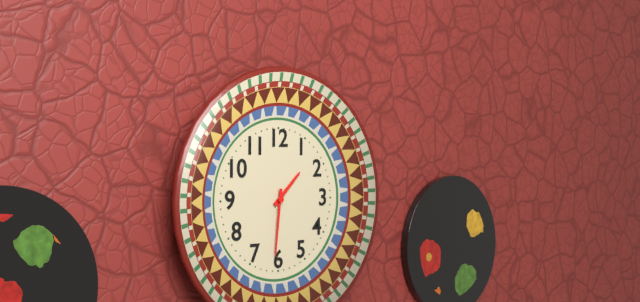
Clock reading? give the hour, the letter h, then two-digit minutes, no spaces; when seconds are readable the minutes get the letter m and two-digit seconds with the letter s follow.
1h31
